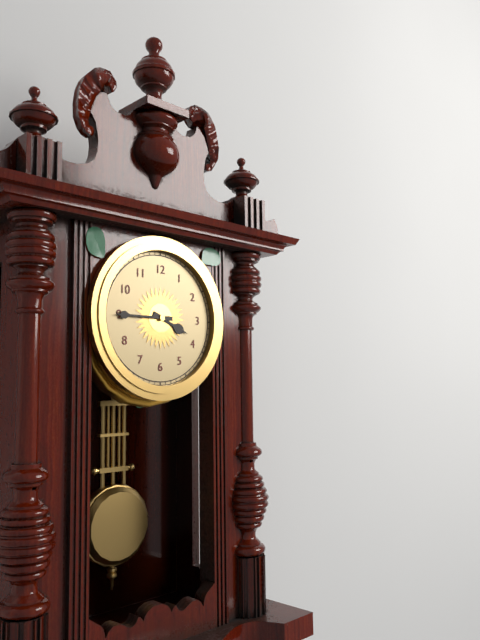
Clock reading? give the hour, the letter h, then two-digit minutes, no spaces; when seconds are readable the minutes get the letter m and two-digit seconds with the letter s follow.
3h45
